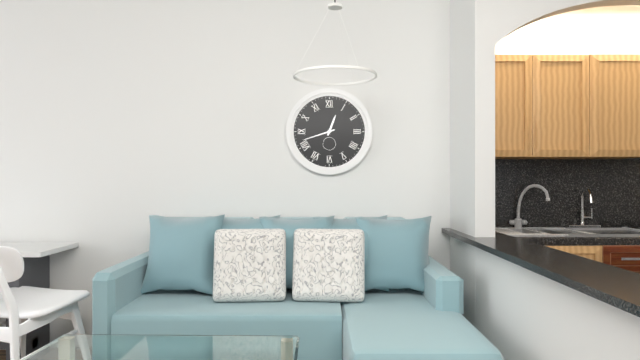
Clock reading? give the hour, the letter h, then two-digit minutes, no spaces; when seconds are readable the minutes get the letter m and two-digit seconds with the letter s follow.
12h42
